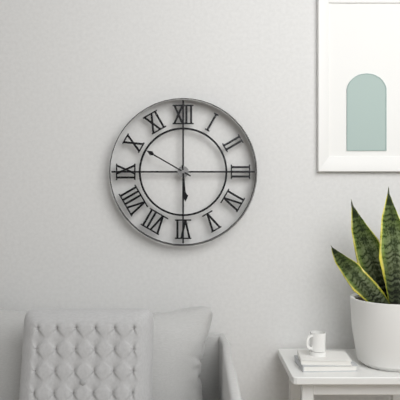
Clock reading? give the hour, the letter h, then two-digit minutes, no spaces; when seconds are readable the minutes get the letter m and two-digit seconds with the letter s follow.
5h50
